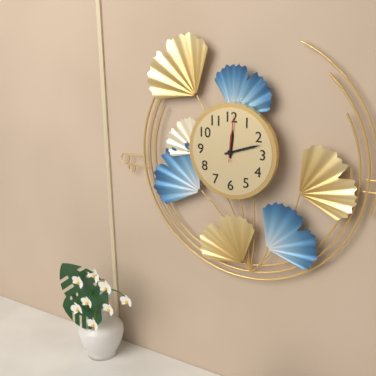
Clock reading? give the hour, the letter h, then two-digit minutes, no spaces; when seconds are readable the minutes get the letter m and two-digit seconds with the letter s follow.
12h12
